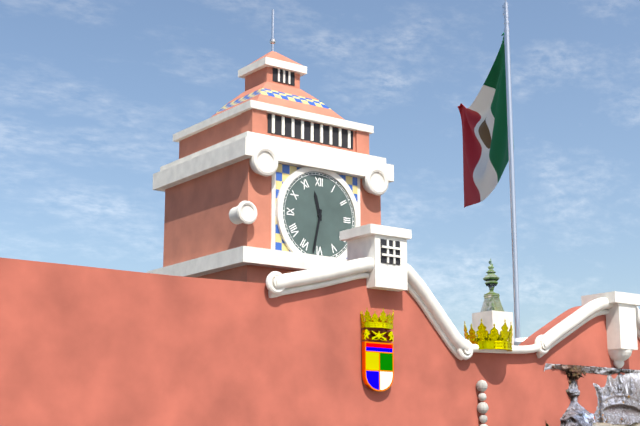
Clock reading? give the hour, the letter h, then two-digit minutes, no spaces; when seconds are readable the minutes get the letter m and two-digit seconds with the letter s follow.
11h32
